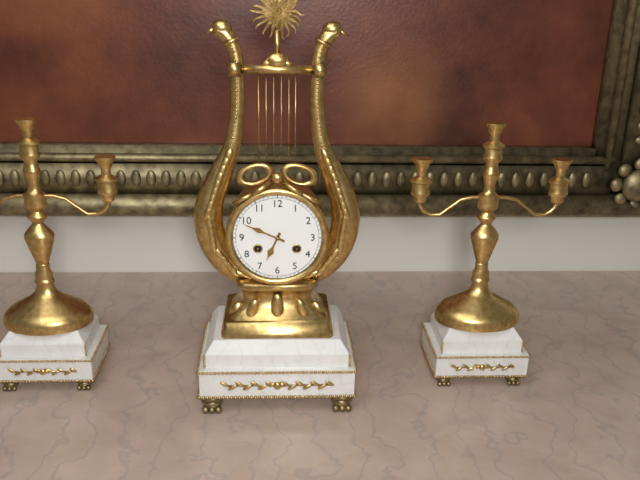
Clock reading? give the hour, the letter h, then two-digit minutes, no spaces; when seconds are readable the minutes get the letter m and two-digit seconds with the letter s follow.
6h49
